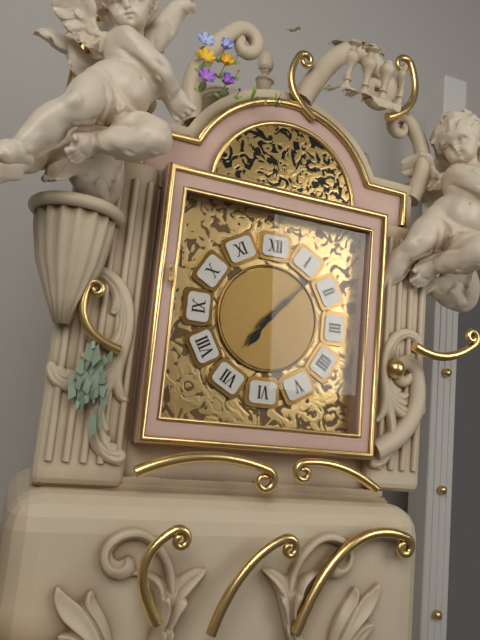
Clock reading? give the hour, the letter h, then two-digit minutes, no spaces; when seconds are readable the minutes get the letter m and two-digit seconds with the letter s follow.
7h07
